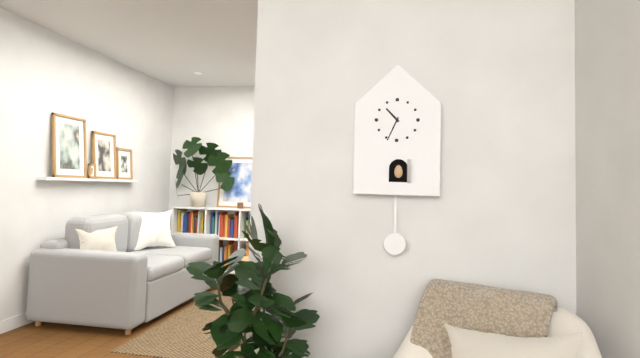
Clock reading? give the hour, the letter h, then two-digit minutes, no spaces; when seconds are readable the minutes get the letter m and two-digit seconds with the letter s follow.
10h34
